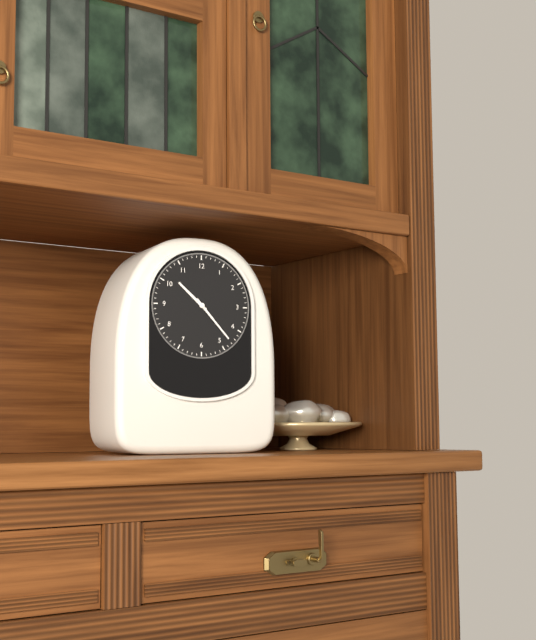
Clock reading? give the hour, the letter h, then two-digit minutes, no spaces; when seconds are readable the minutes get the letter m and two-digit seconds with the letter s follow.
10h23
